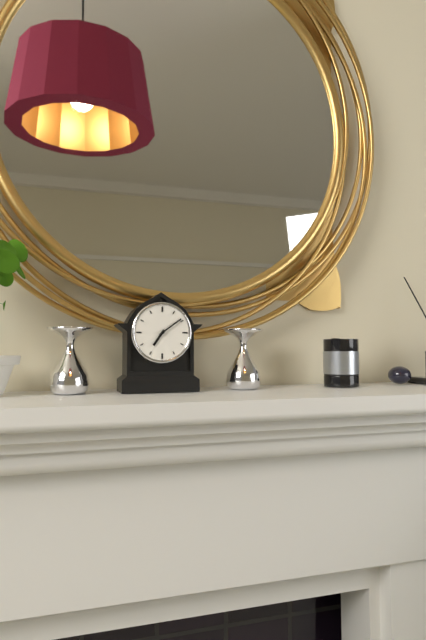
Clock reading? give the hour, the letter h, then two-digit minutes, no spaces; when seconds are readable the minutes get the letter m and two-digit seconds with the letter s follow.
7h09
